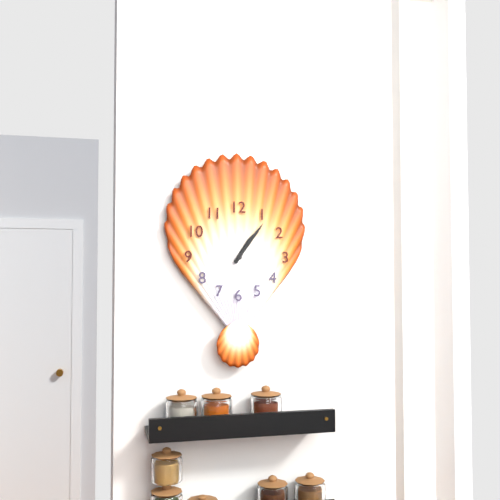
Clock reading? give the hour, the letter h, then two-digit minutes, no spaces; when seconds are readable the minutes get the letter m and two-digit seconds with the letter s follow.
1h06
